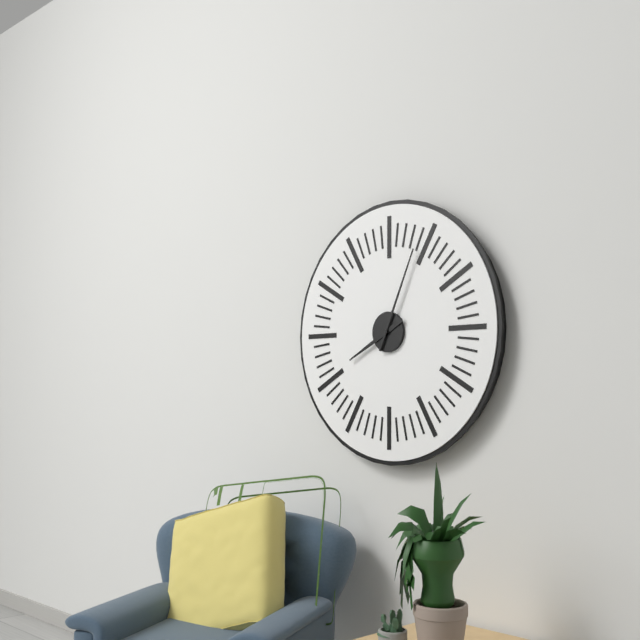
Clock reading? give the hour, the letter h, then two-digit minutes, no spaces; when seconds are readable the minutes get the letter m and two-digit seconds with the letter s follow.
8h04
